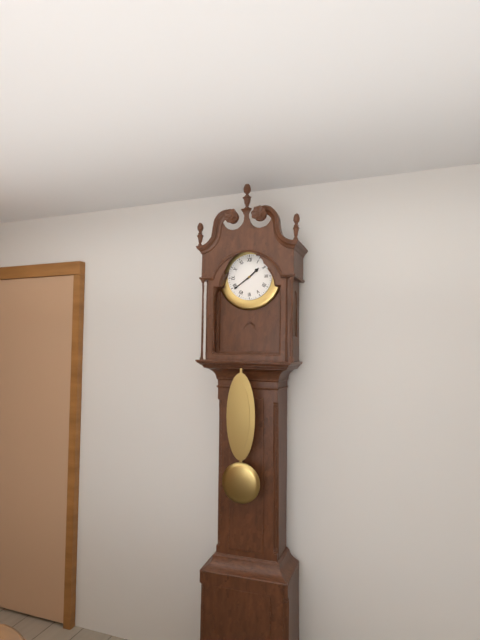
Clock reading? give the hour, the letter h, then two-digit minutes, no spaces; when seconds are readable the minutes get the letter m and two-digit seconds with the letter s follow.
1h39
